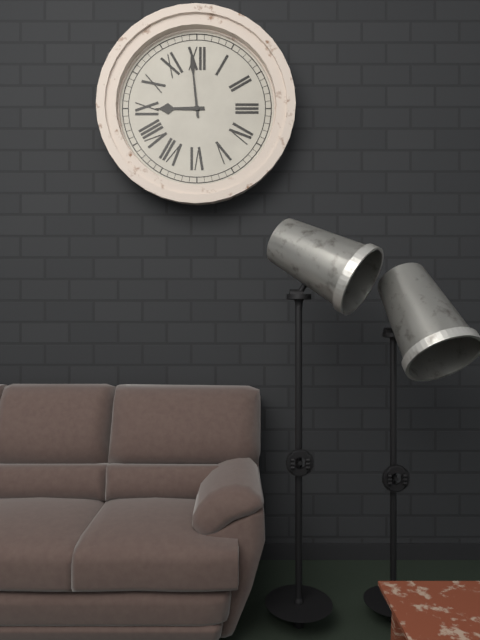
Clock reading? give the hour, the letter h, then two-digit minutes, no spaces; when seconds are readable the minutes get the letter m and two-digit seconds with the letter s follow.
8h59
